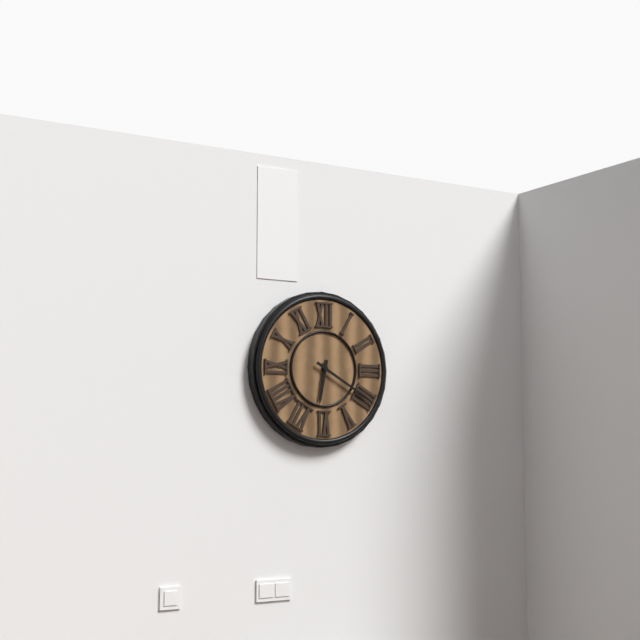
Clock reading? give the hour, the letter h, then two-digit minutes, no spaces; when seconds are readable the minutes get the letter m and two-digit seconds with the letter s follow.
6h20
